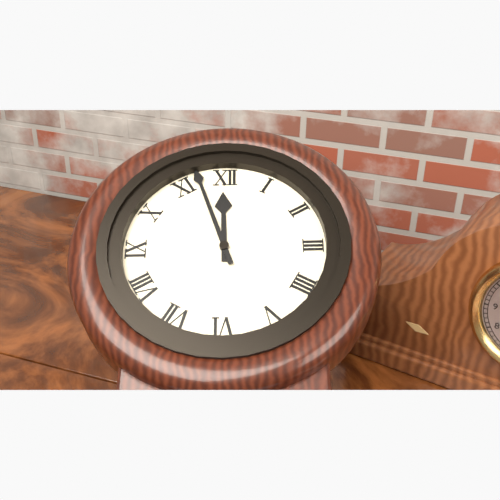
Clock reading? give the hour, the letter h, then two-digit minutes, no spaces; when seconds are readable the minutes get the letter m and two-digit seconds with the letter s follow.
11h57
